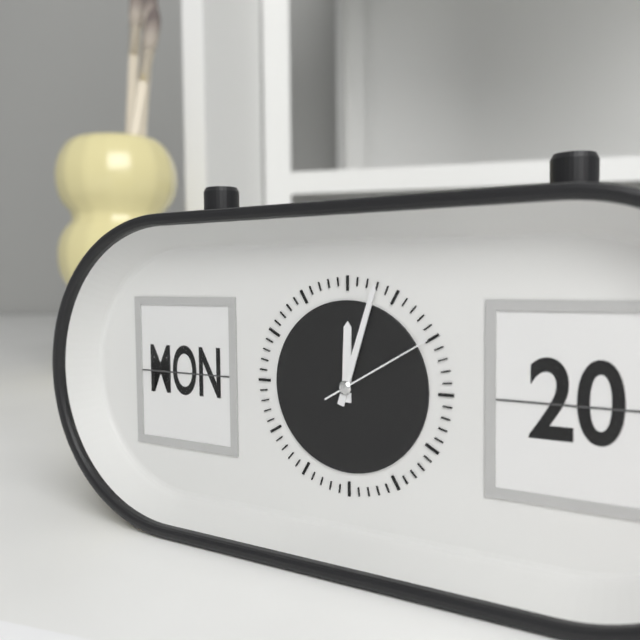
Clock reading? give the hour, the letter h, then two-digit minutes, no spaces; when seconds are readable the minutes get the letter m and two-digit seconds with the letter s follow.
12h03m10s
